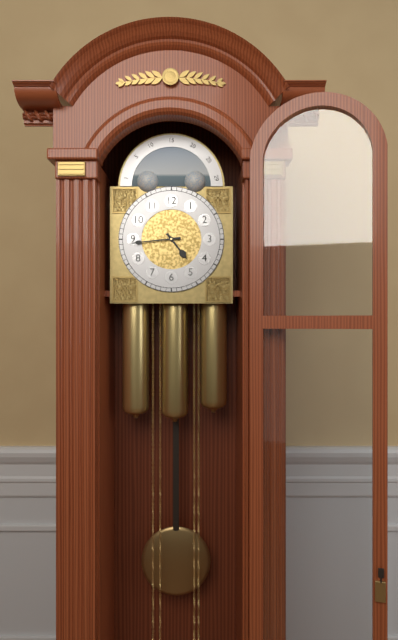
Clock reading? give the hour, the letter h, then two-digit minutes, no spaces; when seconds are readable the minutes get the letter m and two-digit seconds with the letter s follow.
4h44
